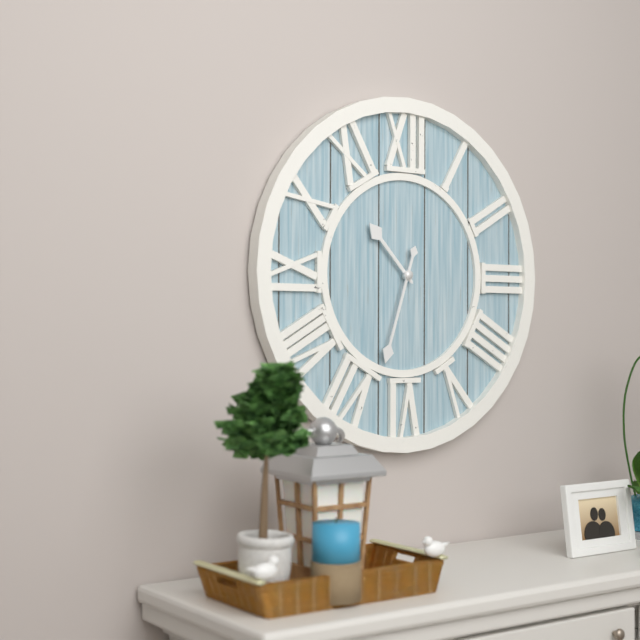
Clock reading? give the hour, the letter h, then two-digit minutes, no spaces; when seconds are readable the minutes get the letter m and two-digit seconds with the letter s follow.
10h33
